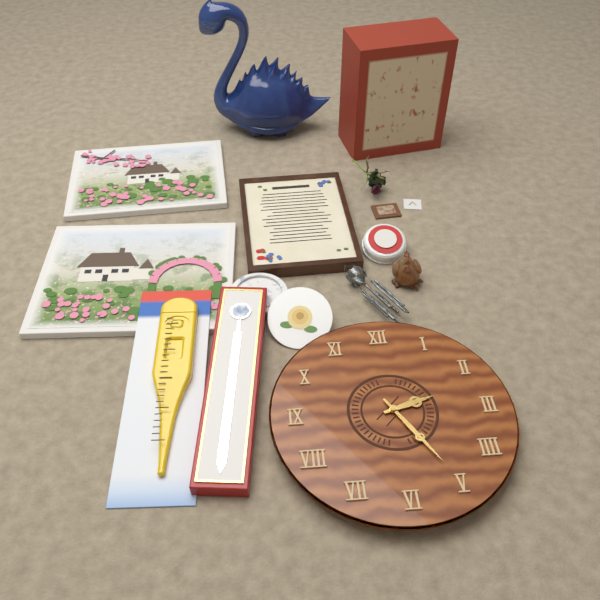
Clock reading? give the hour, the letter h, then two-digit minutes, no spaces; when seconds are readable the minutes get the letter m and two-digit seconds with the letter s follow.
2h25
